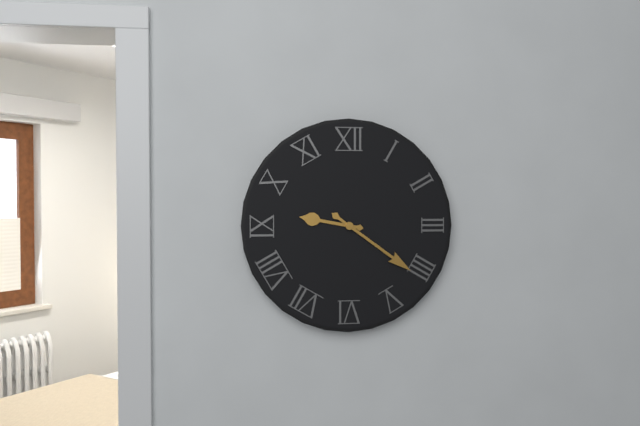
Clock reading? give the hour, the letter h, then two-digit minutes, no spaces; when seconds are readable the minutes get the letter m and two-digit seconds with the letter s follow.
9h21
